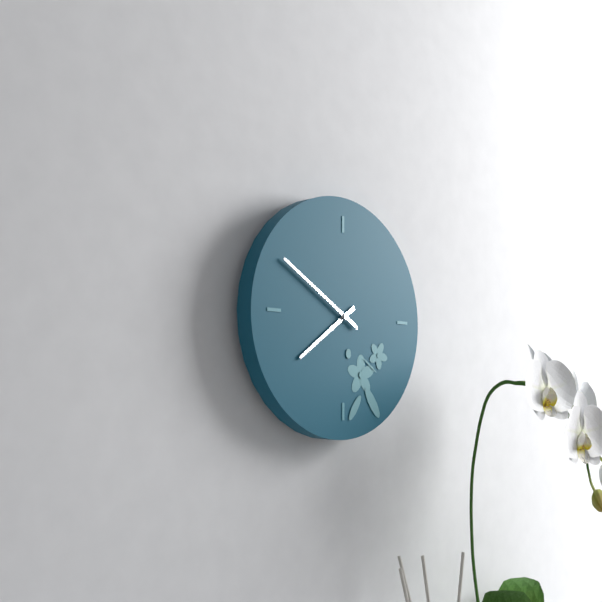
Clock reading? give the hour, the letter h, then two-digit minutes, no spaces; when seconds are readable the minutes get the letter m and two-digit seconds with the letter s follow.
7h50
